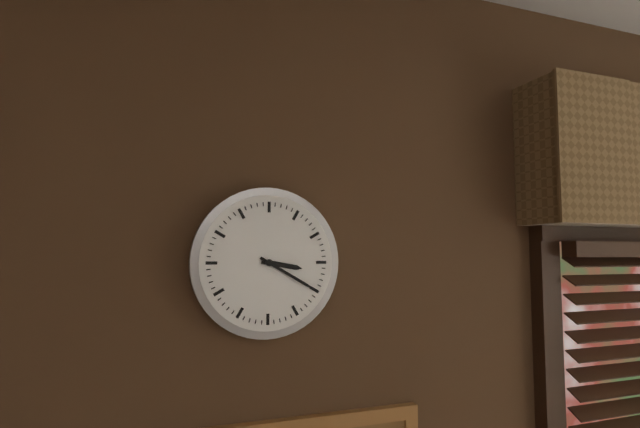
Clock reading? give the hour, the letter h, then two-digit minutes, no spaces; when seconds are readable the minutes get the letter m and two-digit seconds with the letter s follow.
3h20
